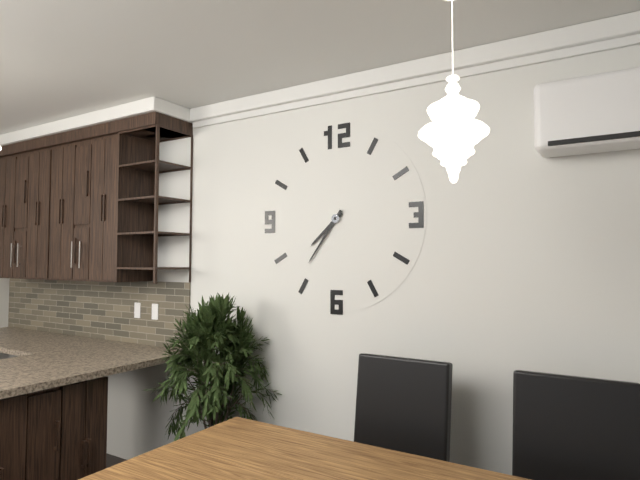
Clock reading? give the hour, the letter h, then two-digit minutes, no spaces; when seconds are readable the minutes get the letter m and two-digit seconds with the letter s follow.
7h36
